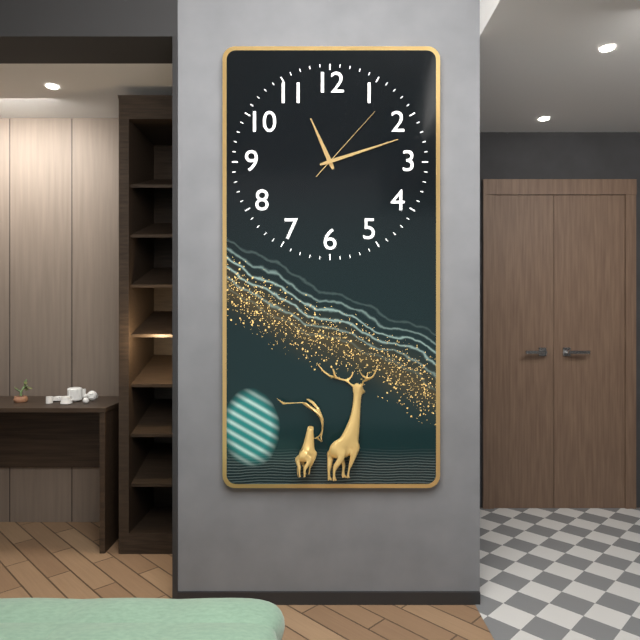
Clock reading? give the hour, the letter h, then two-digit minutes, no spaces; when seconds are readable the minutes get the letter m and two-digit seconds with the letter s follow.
11h12m07s
